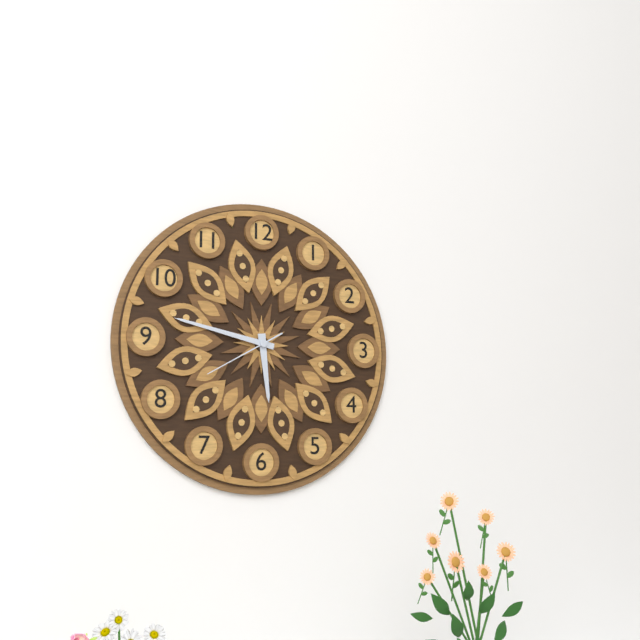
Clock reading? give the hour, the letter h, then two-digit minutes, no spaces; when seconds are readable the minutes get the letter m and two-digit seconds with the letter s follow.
5h47m40s
